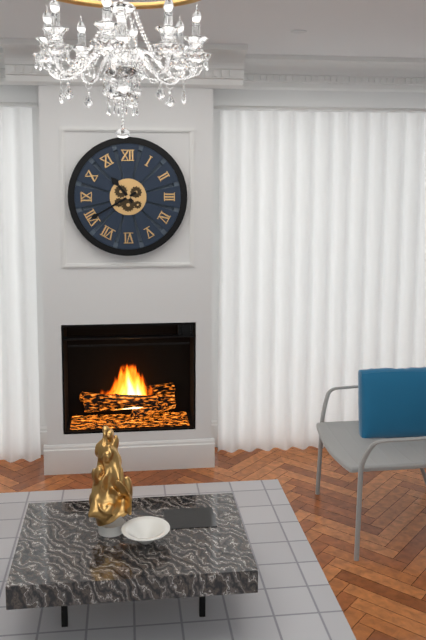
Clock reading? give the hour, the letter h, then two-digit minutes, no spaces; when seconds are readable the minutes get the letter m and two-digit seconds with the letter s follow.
10h40
